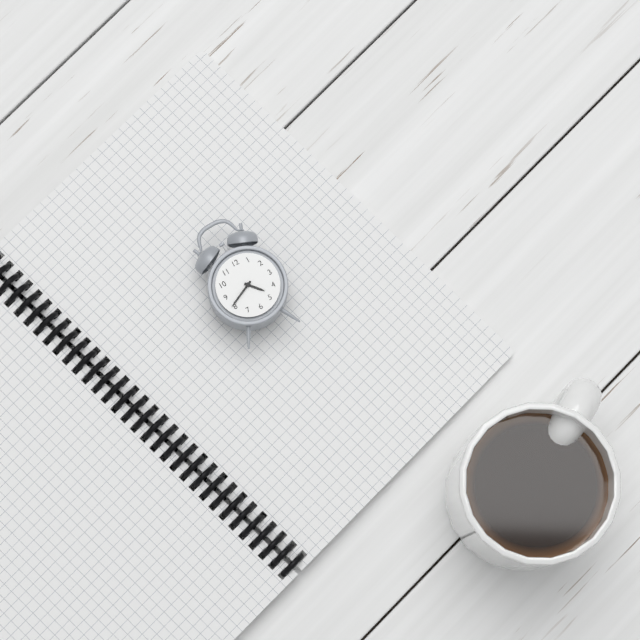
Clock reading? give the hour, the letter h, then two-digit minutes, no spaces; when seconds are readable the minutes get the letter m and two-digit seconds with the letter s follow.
4h41
